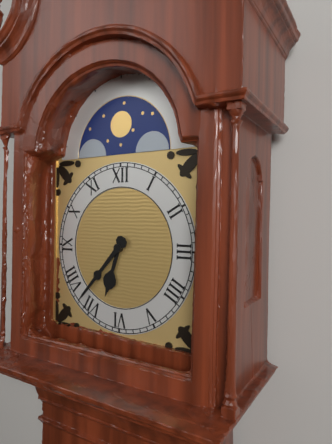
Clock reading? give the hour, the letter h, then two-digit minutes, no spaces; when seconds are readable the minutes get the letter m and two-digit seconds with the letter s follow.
6h37
